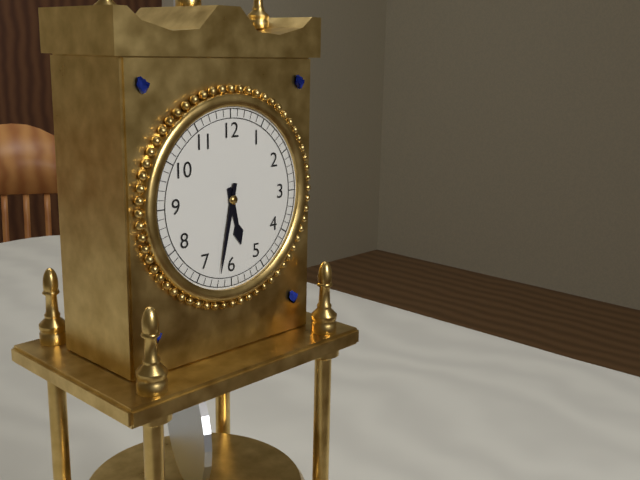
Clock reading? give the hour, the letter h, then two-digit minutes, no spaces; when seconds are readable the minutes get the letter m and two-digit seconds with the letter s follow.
5h32
